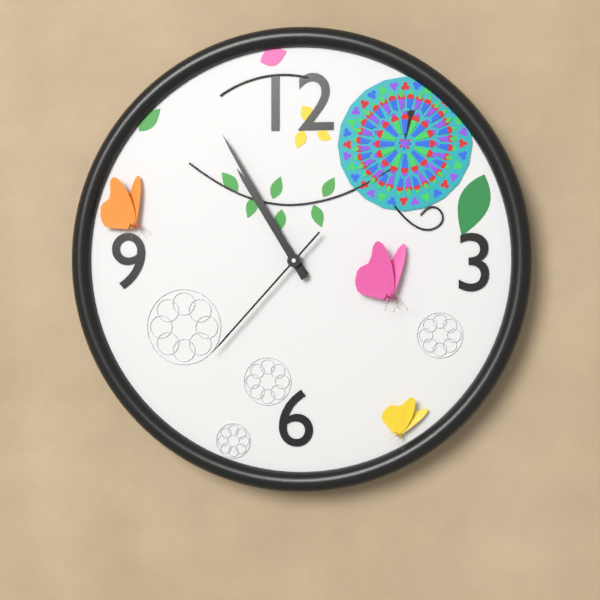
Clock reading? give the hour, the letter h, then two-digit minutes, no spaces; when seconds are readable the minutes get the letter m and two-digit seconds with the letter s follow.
10h55m37s
